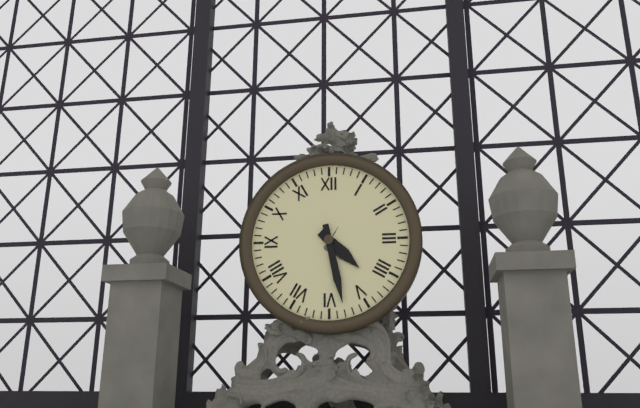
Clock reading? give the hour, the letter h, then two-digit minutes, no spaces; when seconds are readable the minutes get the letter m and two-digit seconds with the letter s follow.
4h28
